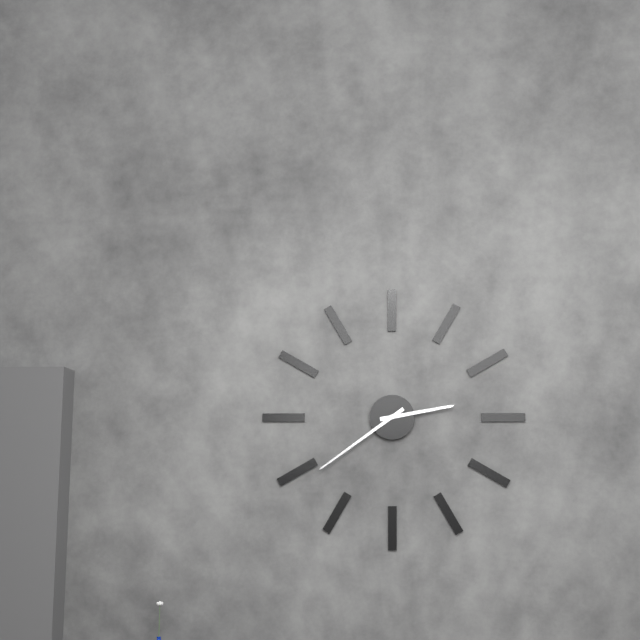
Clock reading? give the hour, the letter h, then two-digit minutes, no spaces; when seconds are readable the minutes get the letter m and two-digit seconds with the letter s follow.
2h39
